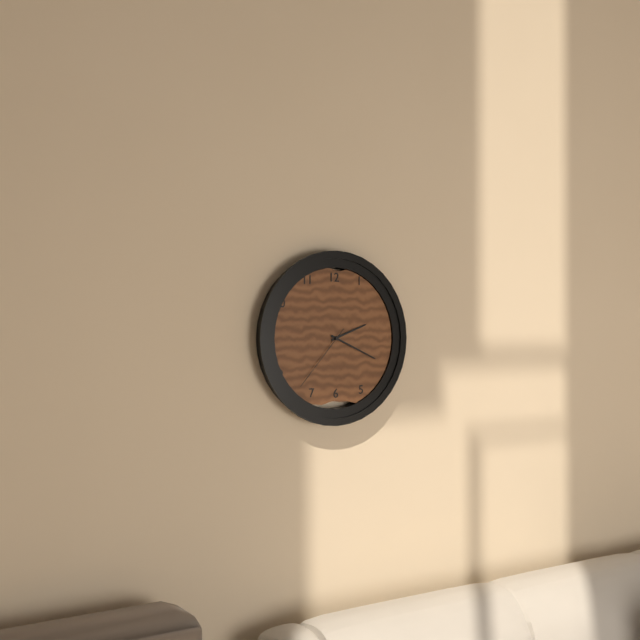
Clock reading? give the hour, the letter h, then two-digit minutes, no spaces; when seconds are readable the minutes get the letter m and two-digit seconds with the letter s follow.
2h19m37s
